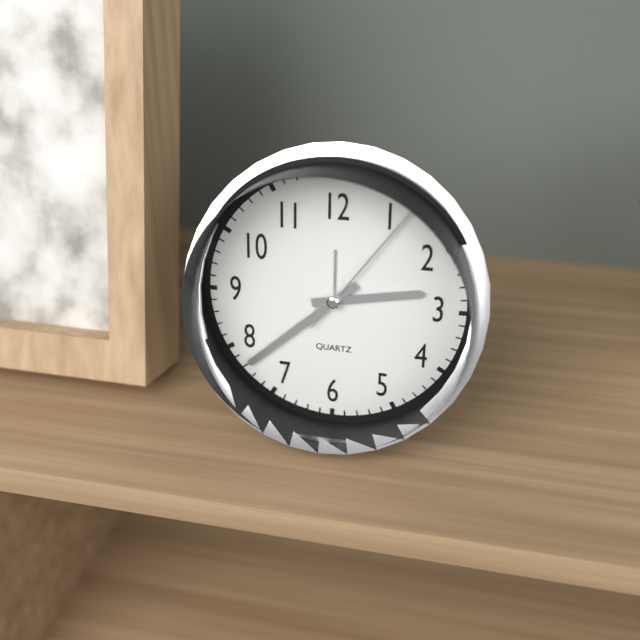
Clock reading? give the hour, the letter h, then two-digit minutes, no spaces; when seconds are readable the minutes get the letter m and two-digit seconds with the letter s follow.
2h38m06s
